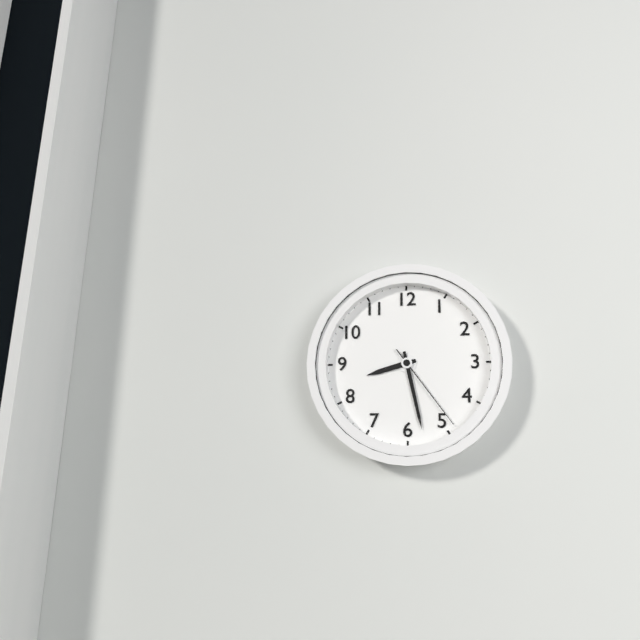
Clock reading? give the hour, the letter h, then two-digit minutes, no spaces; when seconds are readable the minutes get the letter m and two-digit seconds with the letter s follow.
8h28m24s
